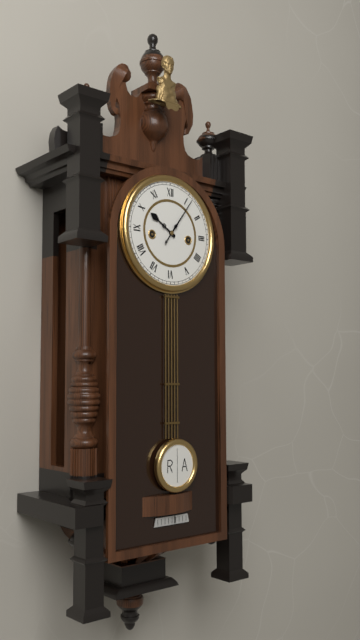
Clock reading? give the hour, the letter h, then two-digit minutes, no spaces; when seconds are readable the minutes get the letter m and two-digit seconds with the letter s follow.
10h06
